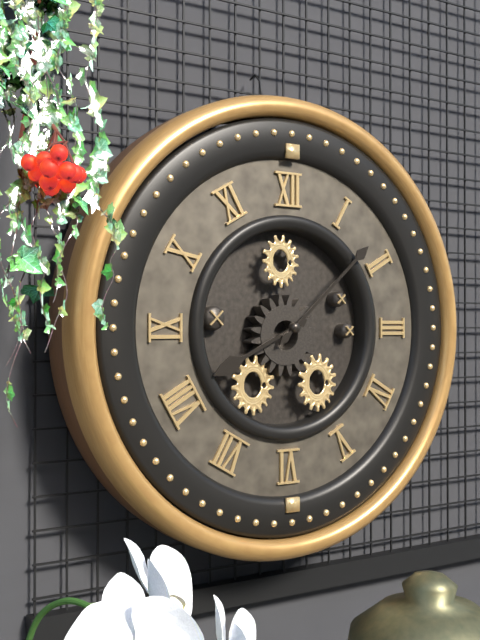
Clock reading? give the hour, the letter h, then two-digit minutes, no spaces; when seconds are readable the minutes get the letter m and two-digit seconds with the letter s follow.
8h08
